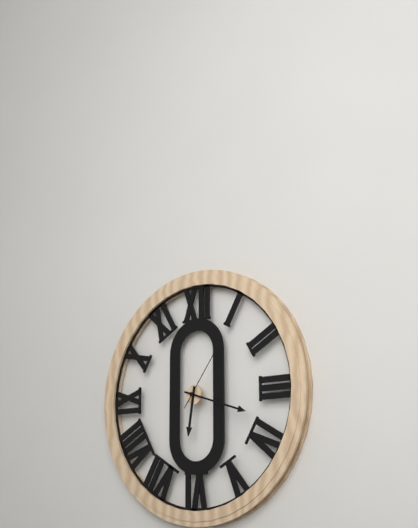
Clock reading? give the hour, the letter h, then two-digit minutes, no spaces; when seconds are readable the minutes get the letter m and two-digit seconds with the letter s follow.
6h18m06s
